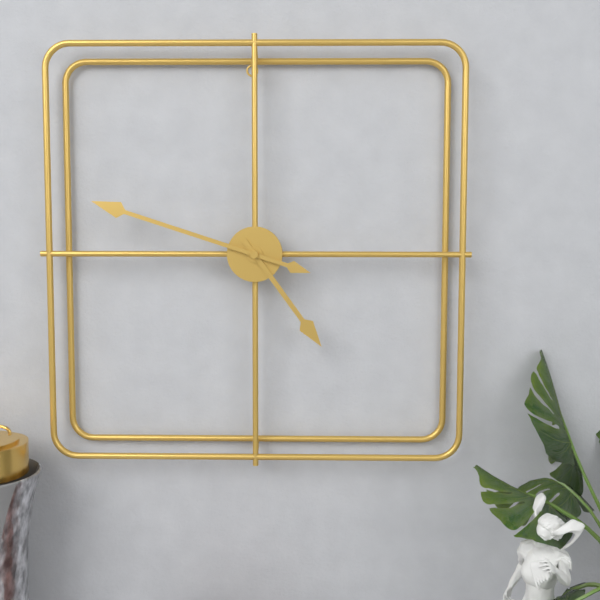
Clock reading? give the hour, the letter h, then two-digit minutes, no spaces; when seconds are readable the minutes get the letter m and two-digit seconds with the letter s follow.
4h48
